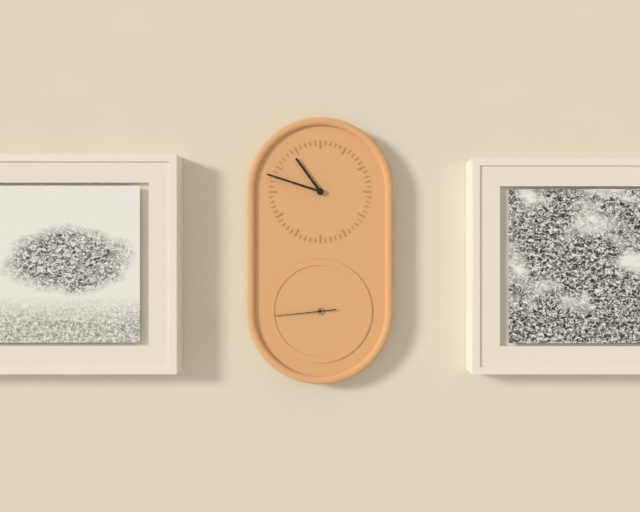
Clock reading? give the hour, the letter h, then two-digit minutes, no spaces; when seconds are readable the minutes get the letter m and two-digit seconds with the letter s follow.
10h48m44s
